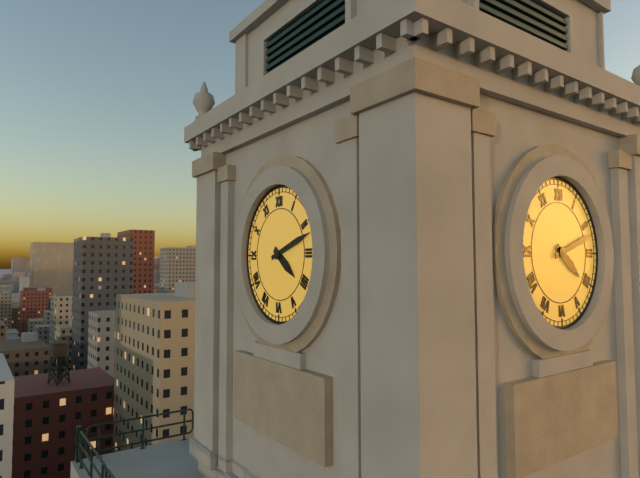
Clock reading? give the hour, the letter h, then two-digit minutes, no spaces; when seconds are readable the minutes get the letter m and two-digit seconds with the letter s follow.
4h12
